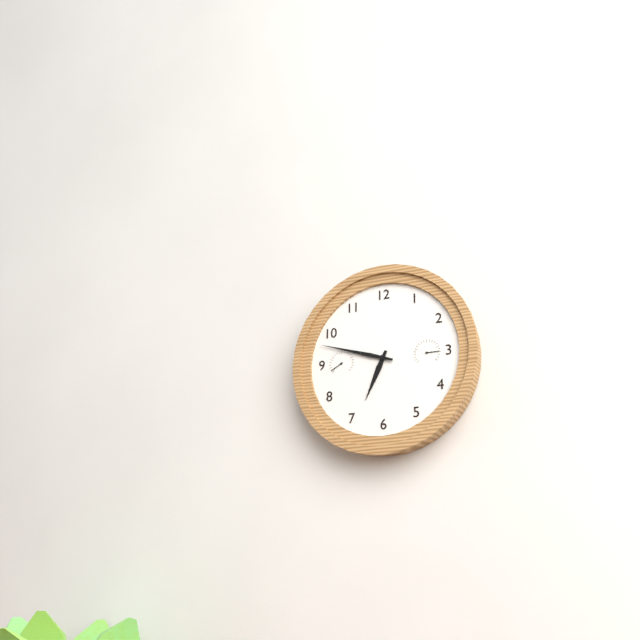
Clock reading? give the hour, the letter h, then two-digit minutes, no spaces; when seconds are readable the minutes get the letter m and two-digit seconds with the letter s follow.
6h48
